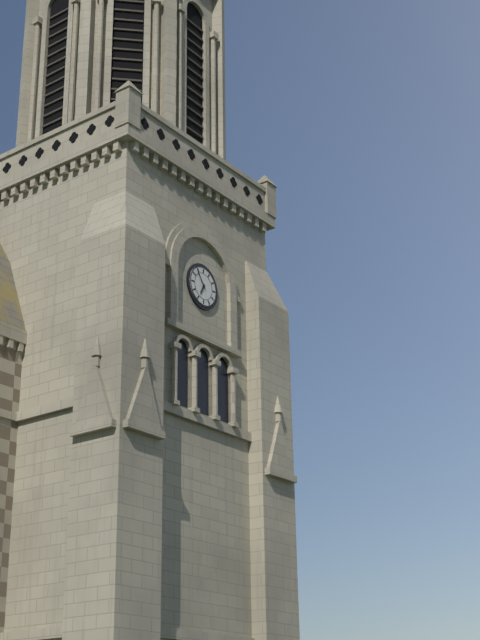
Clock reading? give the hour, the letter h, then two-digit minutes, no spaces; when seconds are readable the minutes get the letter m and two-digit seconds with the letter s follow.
6h54
